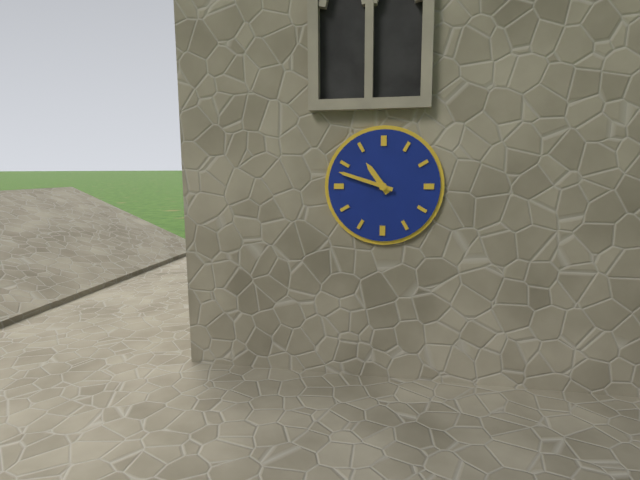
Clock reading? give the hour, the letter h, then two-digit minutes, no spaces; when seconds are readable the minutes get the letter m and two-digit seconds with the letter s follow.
10h48
